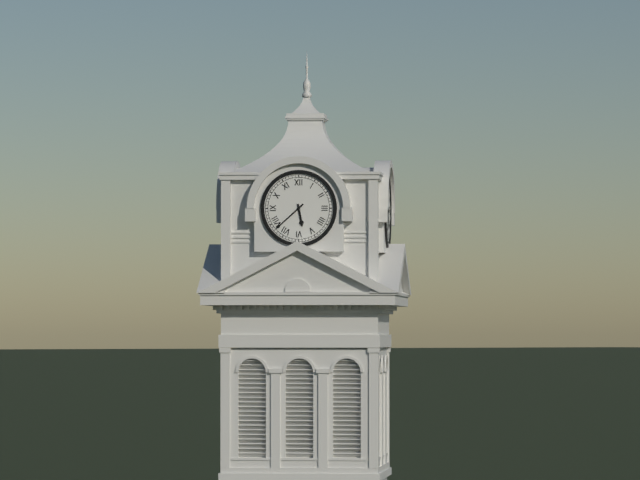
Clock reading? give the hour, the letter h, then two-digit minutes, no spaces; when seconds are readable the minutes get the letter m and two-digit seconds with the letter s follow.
5h38
